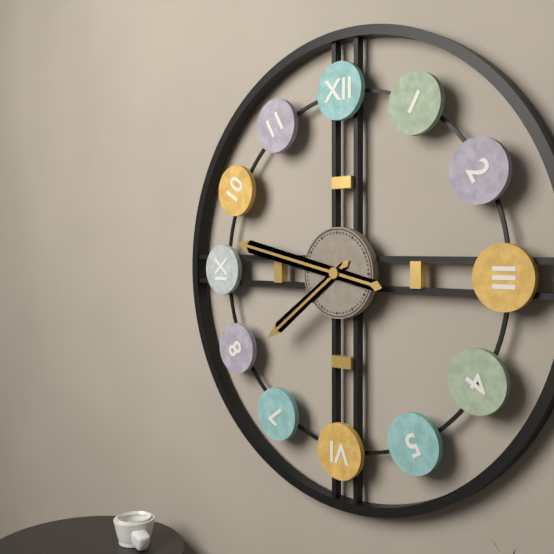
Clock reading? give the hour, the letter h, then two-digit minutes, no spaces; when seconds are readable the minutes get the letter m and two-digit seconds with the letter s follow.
7h47
